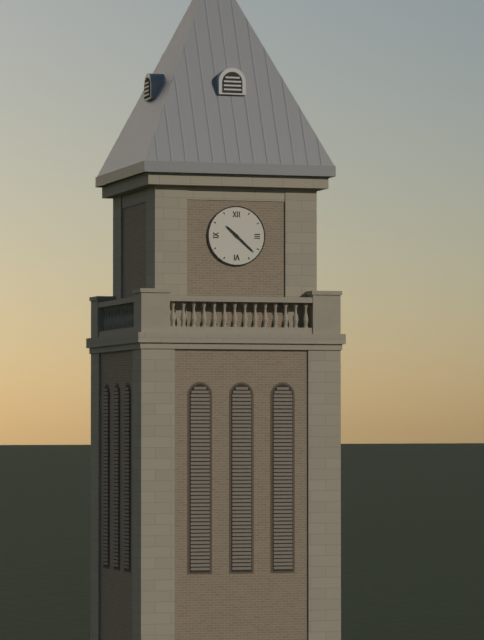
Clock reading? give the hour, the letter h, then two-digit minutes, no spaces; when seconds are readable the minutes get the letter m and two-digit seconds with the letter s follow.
10h22
